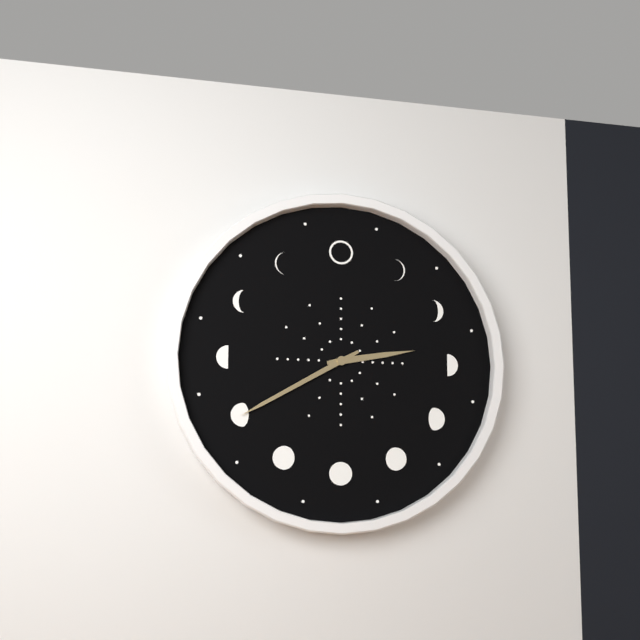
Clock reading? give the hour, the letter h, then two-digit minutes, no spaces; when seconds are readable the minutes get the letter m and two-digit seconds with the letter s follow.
2h40
